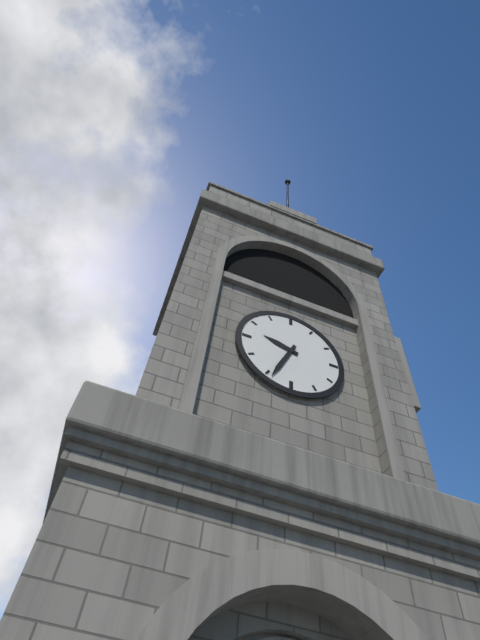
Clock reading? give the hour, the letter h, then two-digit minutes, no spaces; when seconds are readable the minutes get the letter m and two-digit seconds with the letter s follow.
9h34
